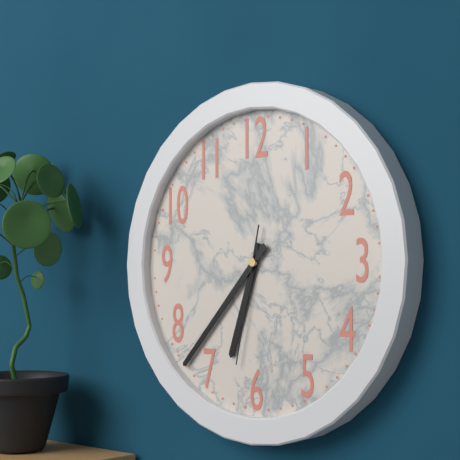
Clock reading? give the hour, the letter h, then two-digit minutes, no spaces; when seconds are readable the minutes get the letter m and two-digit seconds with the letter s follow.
6h37m32s
